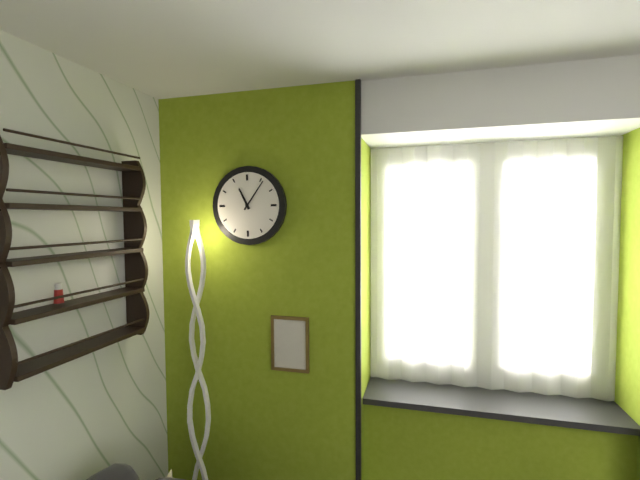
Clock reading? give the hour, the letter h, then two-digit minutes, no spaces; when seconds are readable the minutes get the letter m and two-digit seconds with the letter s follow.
11h06
